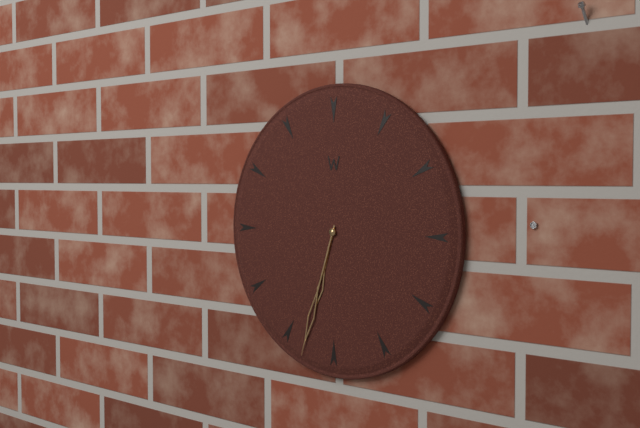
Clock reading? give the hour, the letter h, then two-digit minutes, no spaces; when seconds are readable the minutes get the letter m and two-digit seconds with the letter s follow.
6h33
